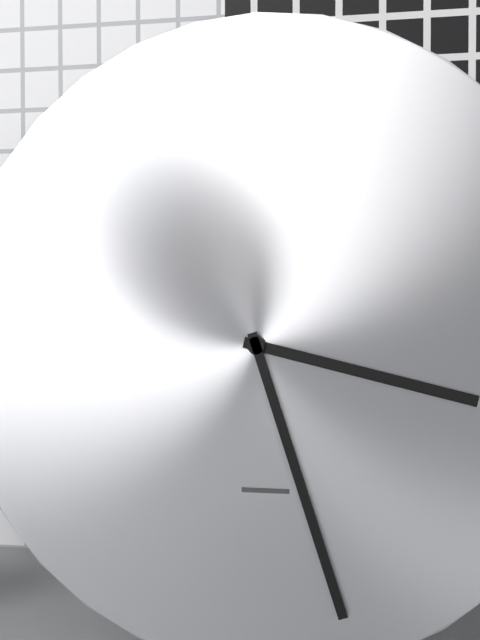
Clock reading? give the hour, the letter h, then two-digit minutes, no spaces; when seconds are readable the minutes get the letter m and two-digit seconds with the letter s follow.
3h27
